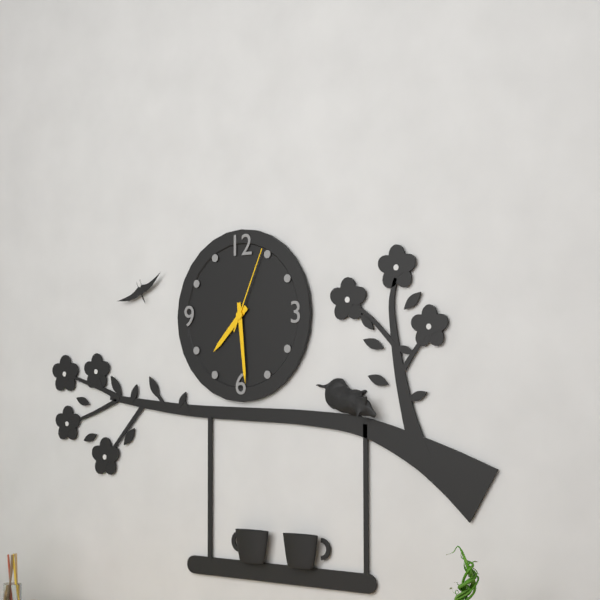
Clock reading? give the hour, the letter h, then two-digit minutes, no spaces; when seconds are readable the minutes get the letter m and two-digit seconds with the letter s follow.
7h29m04s
